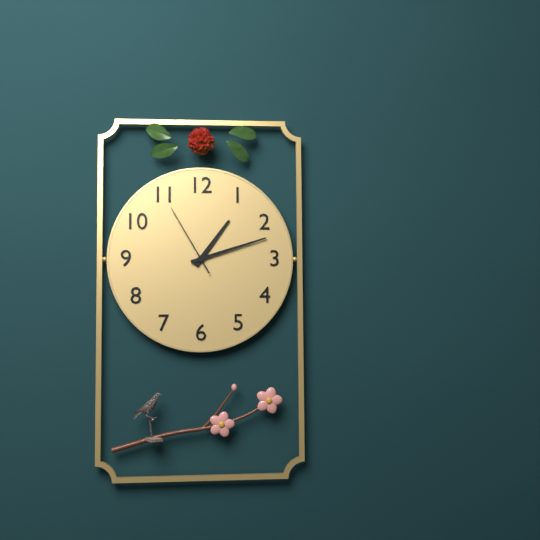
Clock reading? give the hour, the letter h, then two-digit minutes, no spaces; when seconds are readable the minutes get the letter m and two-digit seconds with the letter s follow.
1h12m55s
